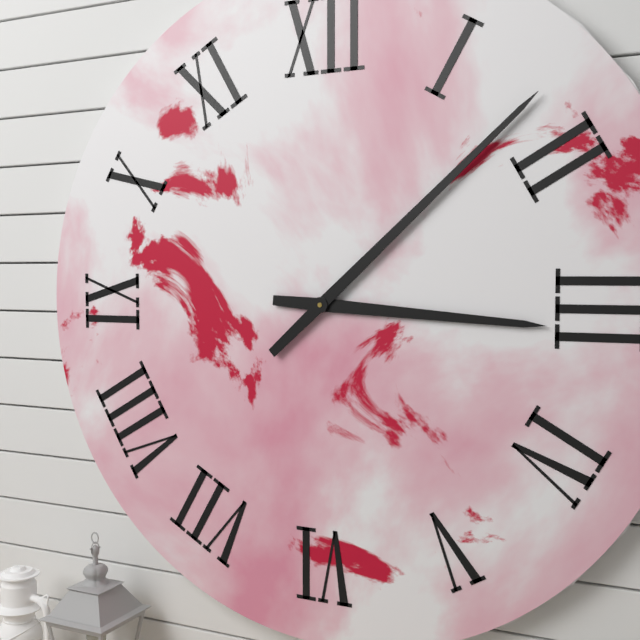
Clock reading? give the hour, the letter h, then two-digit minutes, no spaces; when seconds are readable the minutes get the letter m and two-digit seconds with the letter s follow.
3h08
